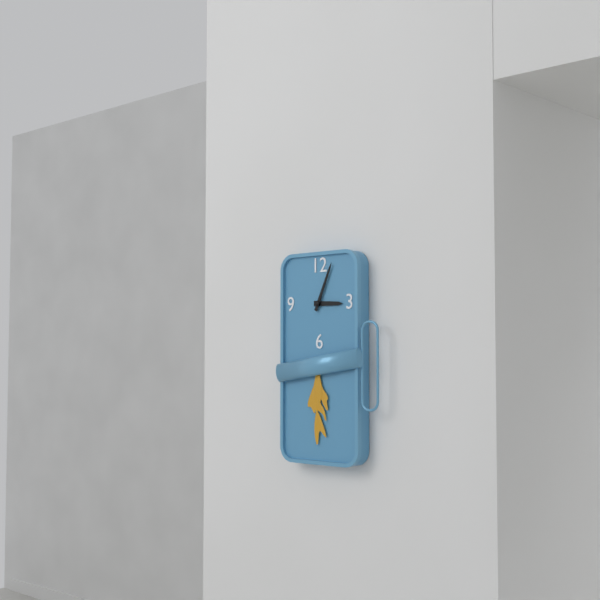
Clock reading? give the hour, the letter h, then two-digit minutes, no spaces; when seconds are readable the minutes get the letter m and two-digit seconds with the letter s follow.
3h04
